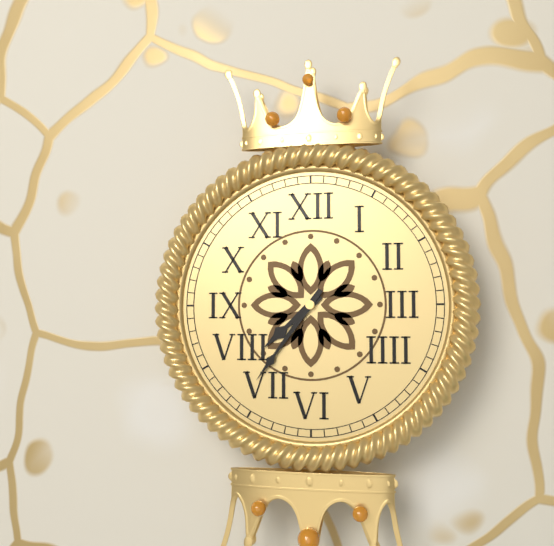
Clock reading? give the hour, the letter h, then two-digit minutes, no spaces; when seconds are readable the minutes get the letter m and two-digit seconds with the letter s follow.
7h36
